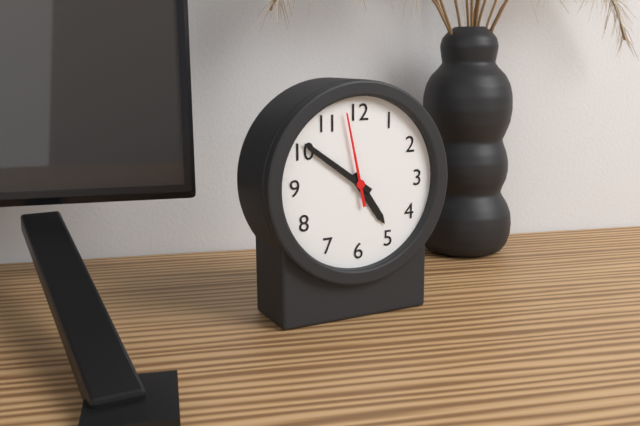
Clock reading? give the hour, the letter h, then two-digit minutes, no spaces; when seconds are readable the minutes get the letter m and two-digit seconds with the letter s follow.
4h51m58s
